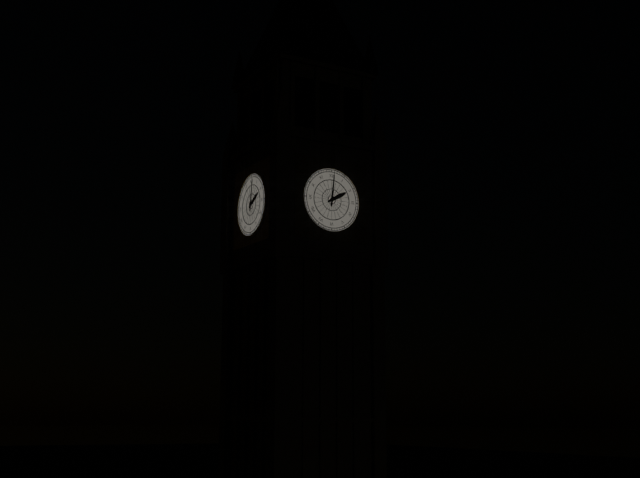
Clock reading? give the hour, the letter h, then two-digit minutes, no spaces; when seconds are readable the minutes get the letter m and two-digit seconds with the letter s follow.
2h01
